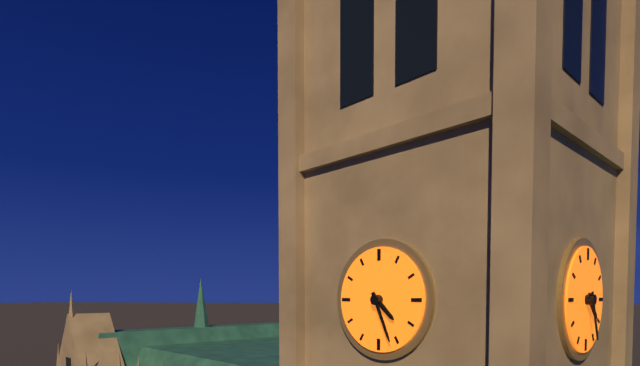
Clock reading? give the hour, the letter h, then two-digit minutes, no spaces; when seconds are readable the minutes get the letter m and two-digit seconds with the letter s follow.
4h26
